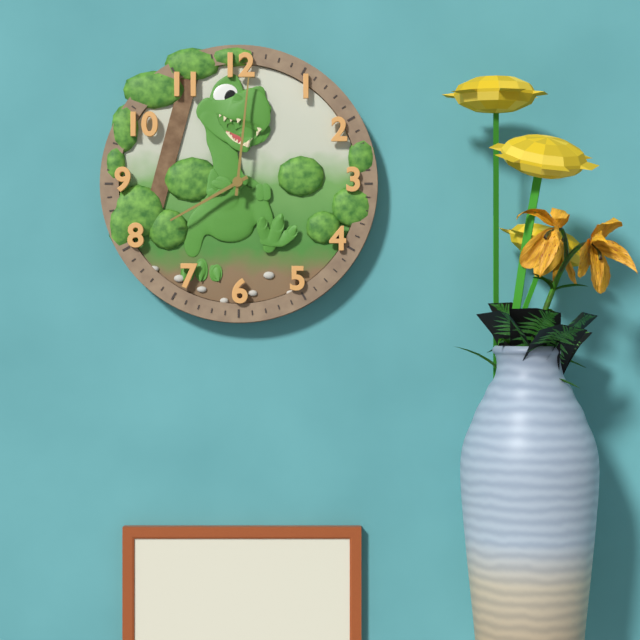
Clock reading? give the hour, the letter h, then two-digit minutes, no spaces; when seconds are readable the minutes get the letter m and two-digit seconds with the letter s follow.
8h01
